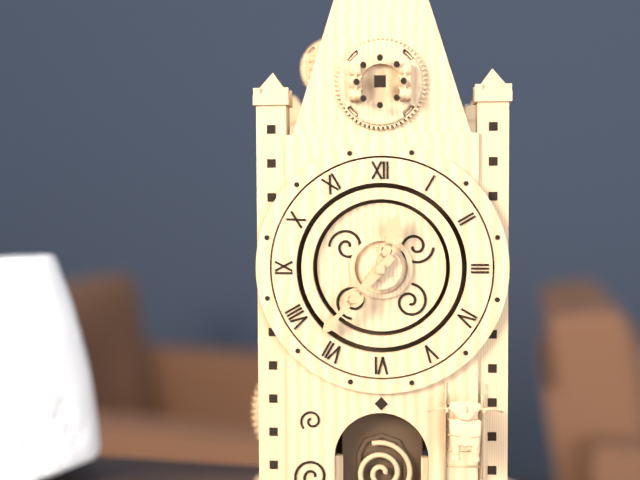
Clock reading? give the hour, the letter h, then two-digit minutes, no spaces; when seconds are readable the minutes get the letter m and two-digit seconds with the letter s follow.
12h37
